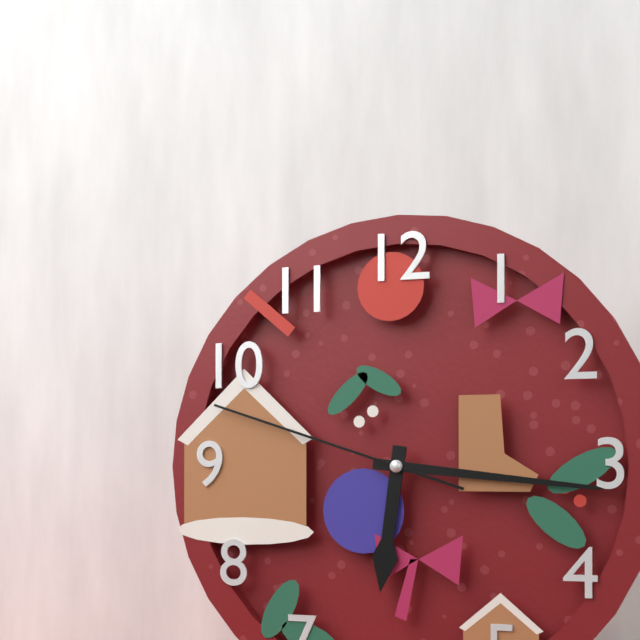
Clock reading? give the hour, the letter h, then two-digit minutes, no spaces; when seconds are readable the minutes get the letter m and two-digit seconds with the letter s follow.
6h16m48s
